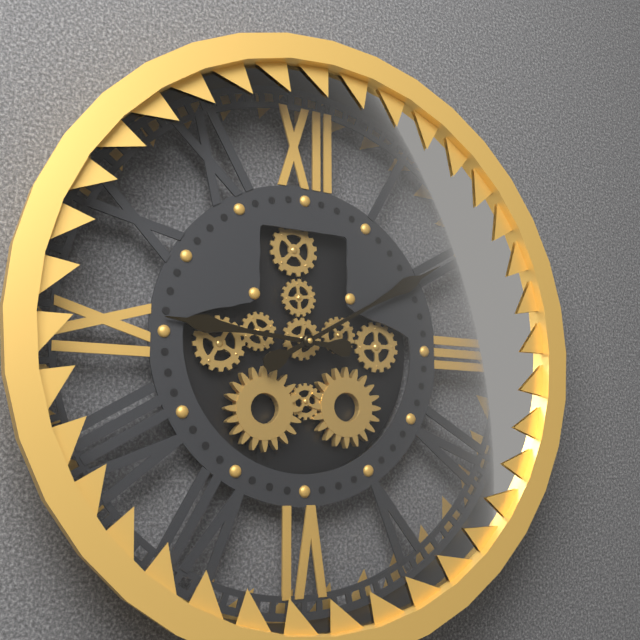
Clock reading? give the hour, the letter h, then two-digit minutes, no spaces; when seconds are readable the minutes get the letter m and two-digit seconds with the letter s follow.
9h10
